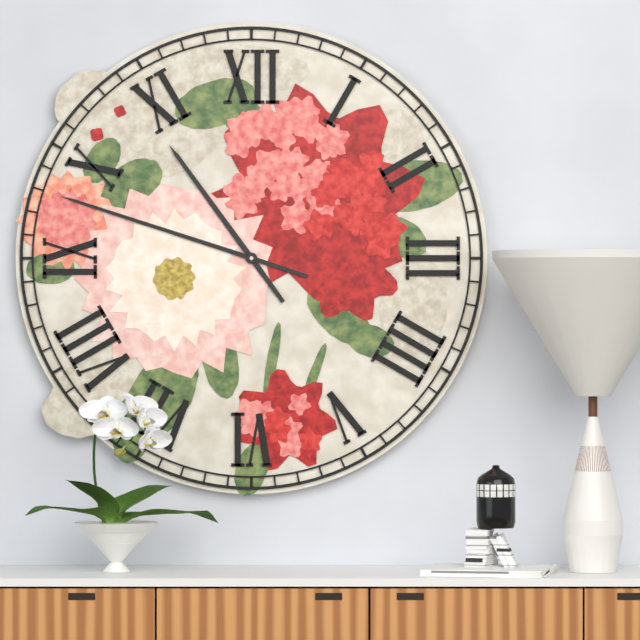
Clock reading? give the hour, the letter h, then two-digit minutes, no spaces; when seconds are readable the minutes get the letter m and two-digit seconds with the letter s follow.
10h48
